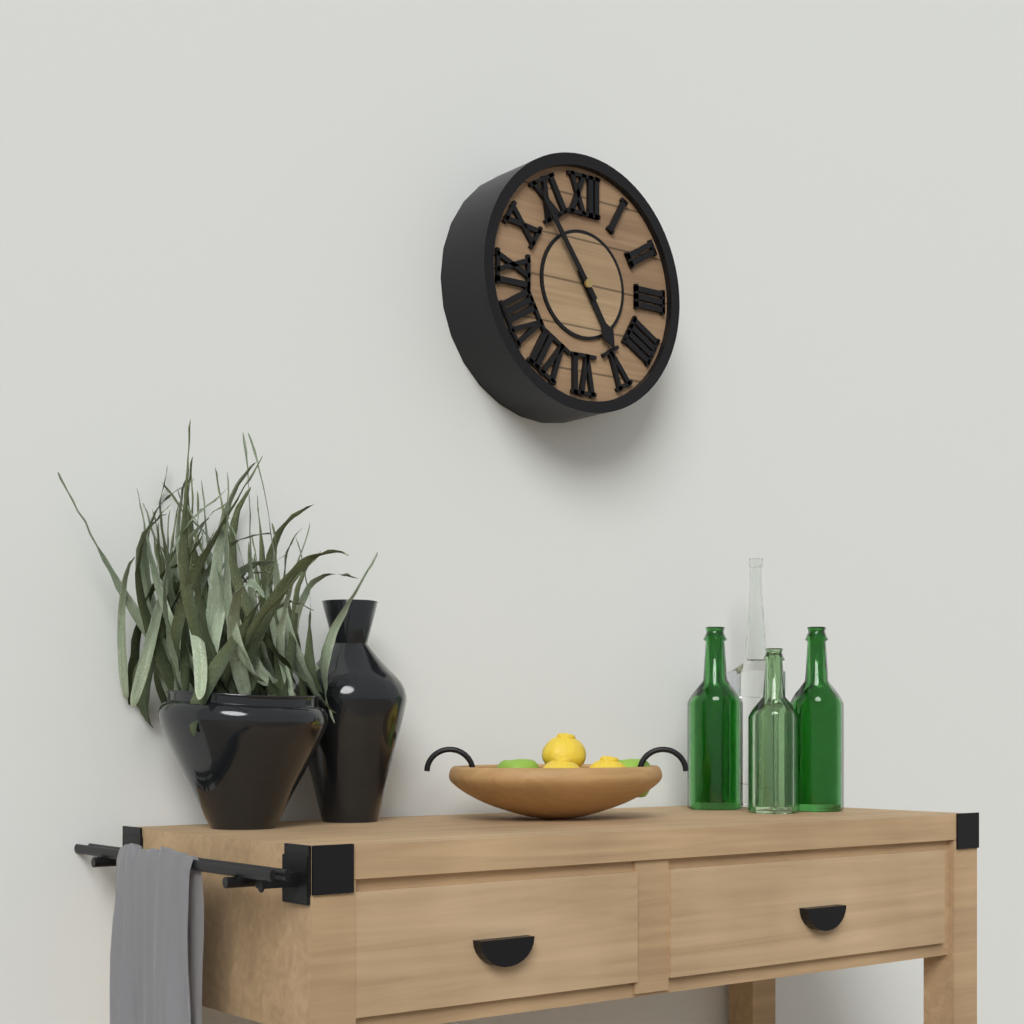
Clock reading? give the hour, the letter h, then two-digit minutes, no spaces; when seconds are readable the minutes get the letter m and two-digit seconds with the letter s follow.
4h54
